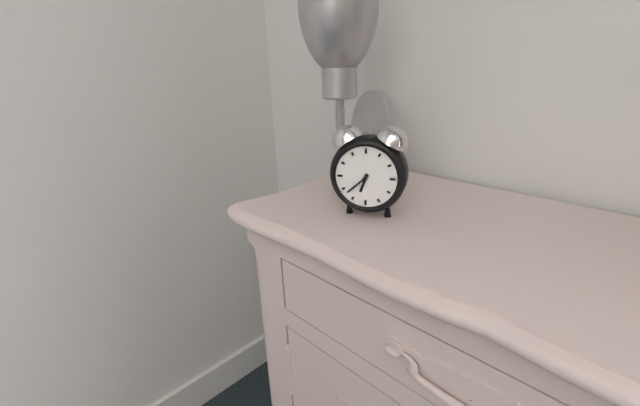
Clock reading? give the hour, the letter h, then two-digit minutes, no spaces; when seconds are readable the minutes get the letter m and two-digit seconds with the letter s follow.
6h38
